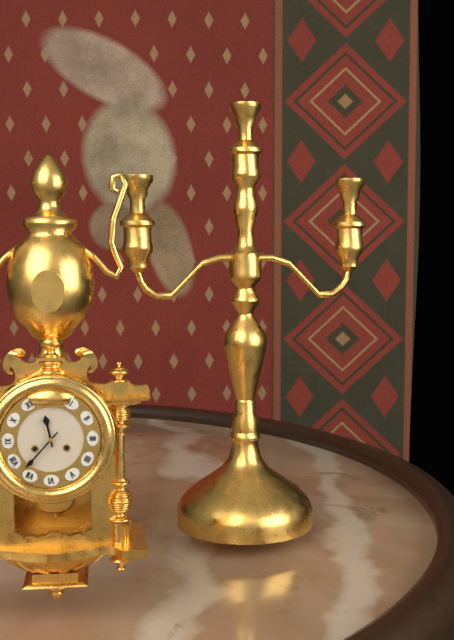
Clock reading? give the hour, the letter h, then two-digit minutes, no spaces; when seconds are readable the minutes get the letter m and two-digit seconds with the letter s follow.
11h37
